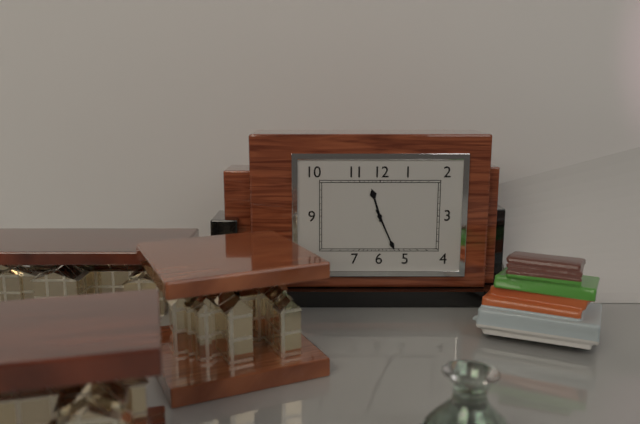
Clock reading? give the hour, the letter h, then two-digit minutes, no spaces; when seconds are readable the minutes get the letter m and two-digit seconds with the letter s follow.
11h26
